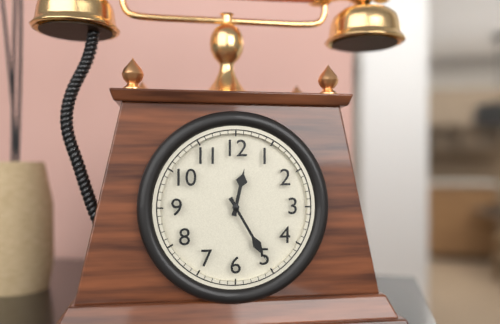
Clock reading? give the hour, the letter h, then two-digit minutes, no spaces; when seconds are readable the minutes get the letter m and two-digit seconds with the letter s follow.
12h25
